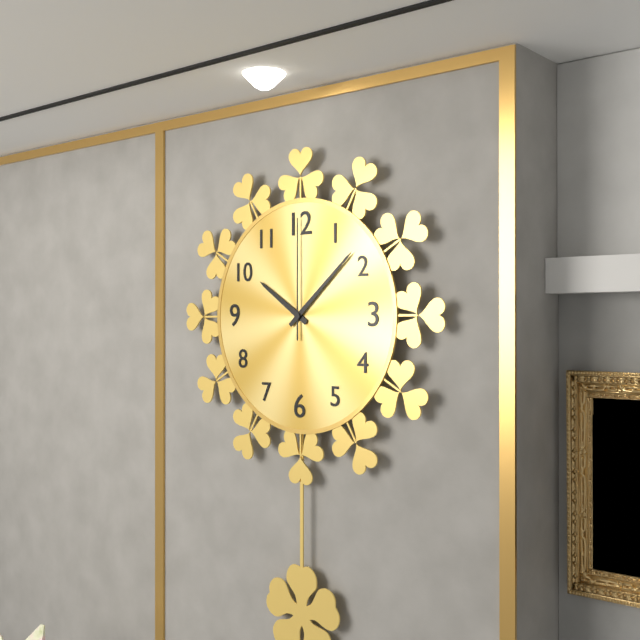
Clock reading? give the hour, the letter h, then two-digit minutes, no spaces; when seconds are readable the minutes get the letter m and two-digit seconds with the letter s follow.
10h08m00s
